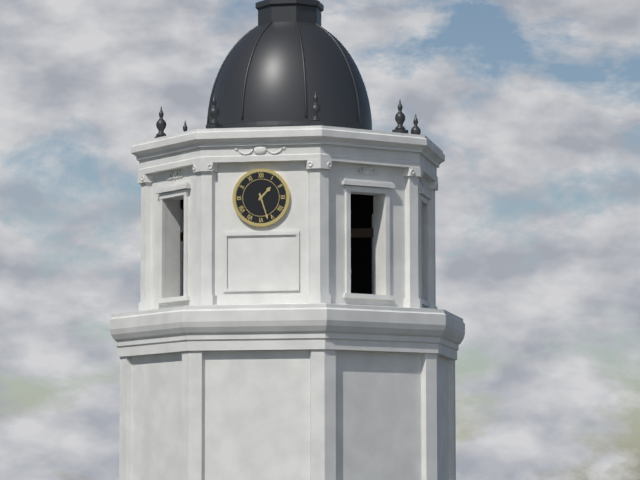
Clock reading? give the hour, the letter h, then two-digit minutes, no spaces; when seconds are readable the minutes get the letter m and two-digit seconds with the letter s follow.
1h27
